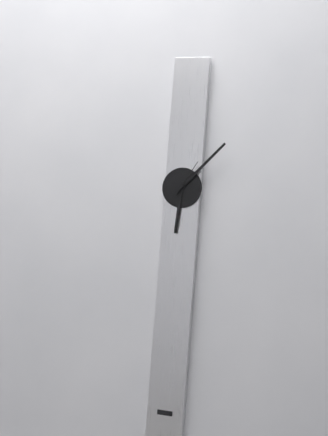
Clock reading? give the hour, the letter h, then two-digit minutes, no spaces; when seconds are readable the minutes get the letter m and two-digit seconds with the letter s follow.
6h07
